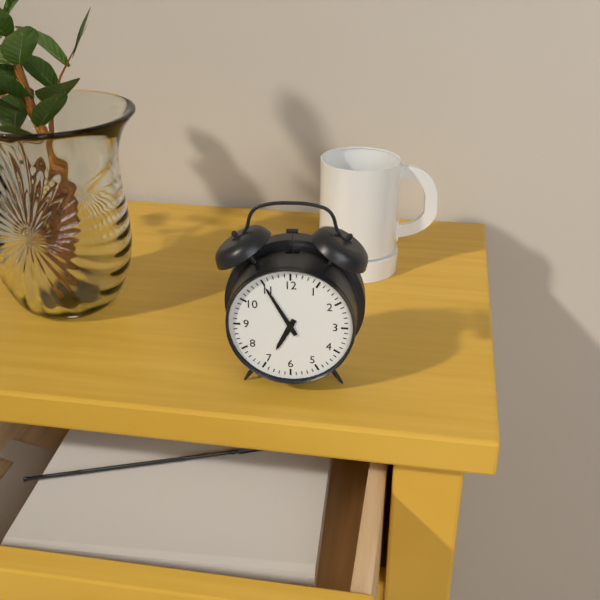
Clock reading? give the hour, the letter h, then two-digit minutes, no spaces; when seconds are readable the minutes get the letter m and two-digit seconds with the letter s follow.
6h55
